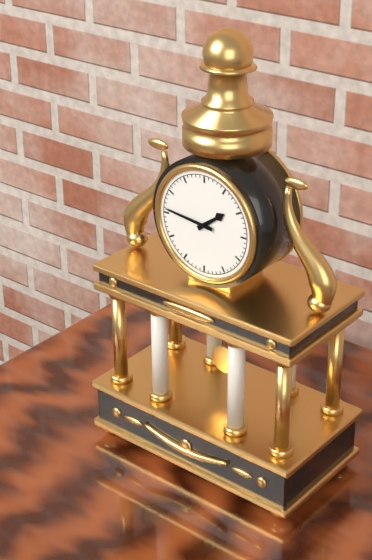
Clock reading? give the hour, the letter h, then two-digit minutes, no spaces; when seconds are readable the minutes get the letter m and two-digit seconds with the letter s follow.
1h46
